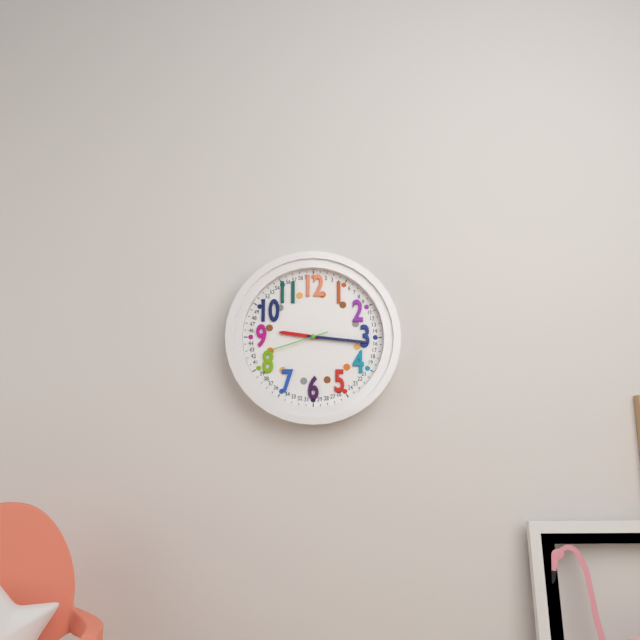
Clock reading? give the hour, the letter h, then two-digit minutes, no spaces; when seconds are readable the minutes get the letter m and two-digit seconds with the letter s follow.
9h16m42s
